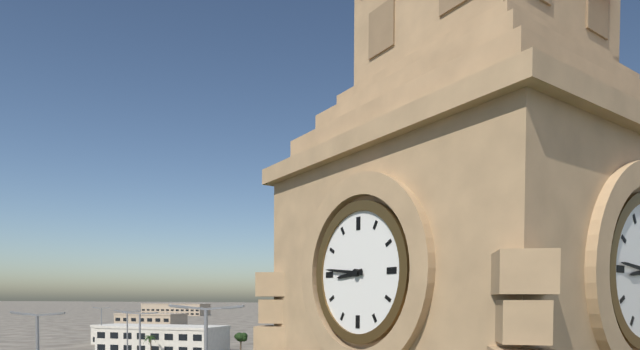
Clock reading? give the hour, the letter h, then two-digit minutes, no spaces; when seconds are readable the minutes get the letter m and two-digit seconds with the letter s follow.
8h46
